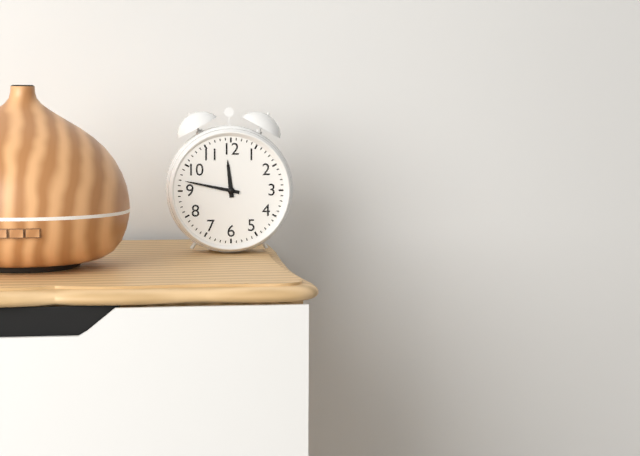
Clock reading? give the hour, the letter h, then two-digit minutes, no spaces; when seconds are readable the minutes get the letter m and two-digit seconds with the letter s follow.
11h47
